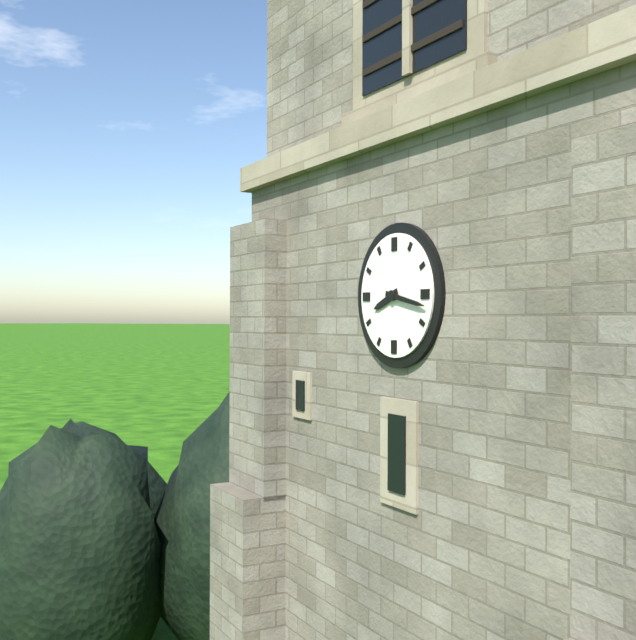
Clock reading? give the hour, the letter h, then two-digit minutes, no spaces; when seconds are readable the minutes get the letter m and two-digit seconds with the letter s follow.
8h17
